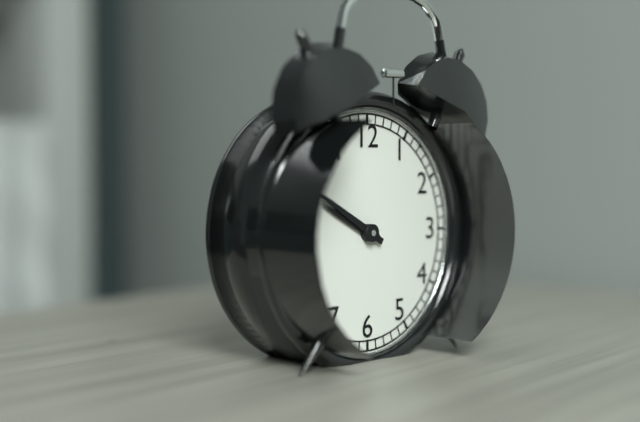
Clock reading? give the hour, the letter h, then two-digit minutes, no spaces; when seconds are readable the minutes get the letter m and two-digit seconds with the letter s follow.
9h50
